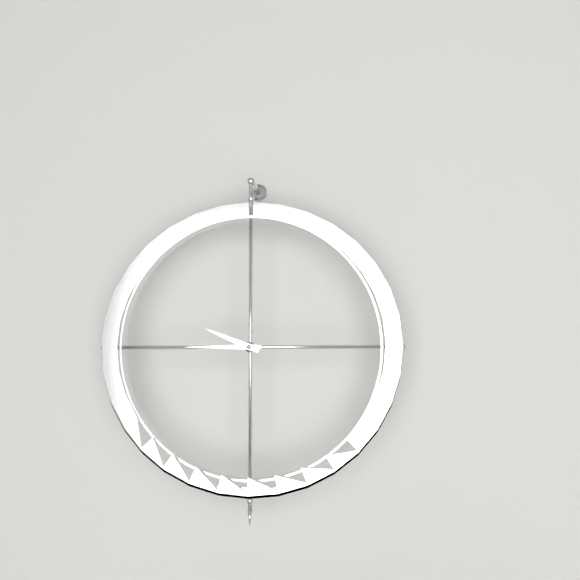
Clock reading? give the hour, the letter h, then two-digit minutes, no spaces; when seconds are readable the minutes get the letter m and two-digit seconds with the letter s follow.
9h45
